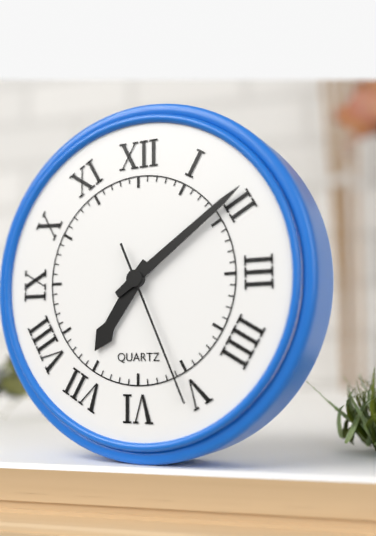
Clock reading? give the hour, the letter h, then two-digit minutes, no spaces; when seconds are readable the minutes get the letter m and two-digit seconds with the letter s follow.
7h09m26s
